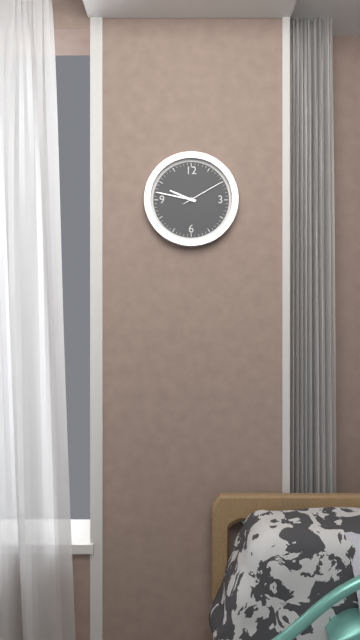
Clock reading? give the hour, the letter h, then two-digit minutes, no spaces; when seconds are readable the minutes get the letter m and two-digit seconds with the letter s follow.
9h47
